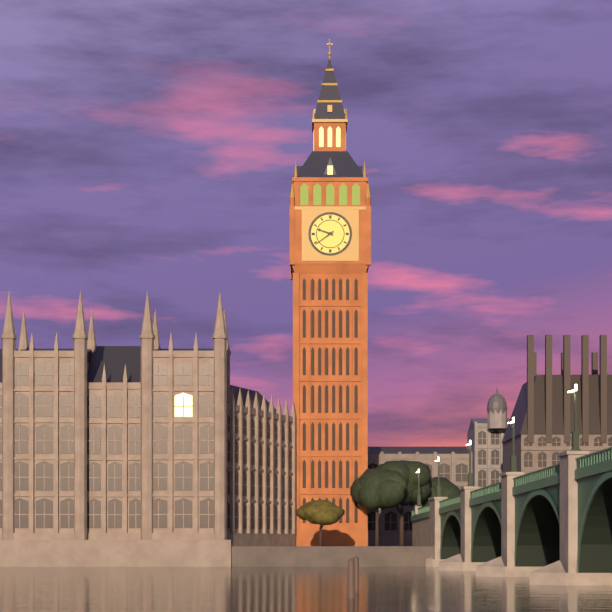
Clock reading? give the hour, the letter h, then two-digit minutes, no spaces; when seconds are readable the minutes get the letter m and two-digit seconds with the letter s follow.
9h39
